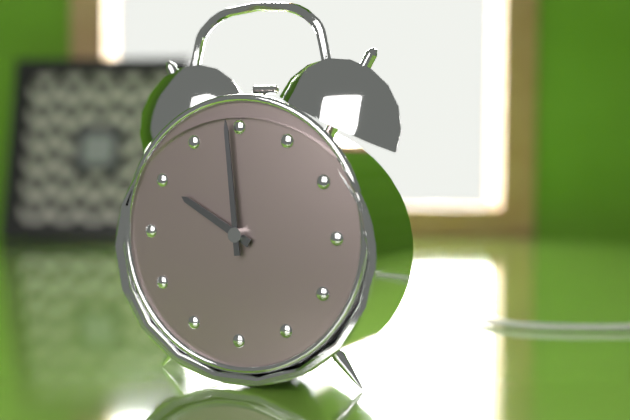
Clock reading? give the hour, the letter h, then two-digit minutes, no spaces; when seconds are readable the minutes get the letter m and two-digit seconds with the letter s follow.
9h59
